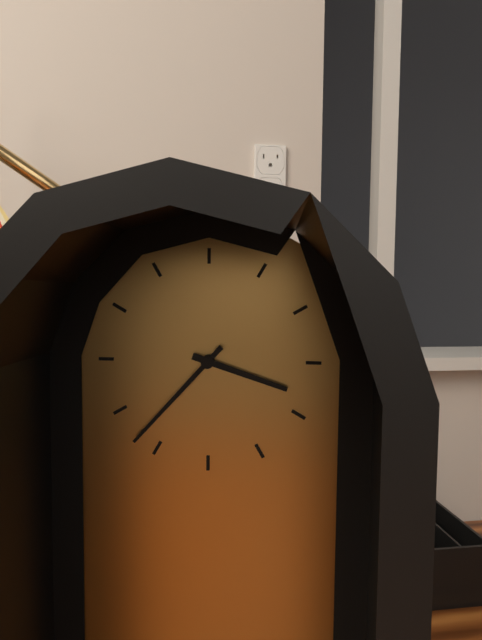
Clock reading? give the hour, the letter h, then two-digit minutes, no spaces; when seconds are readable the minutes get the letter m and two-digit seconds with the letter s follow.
3h37
